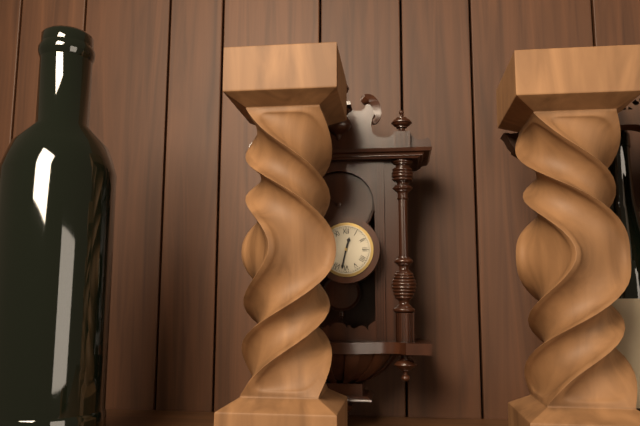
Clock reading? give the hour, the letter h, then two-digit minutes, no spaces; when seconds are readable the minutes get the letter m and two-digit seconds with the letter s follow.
12h32
